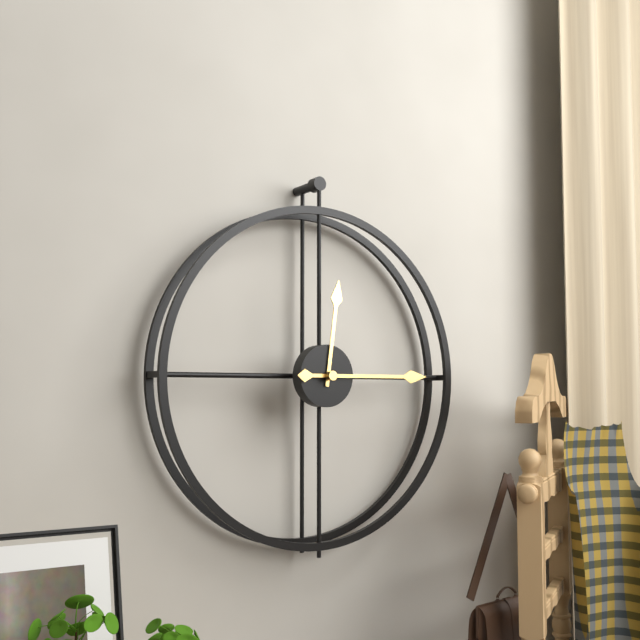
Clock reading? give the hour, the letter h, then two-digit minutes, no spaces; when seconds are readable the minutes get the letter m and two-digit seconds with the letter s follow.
12h15
